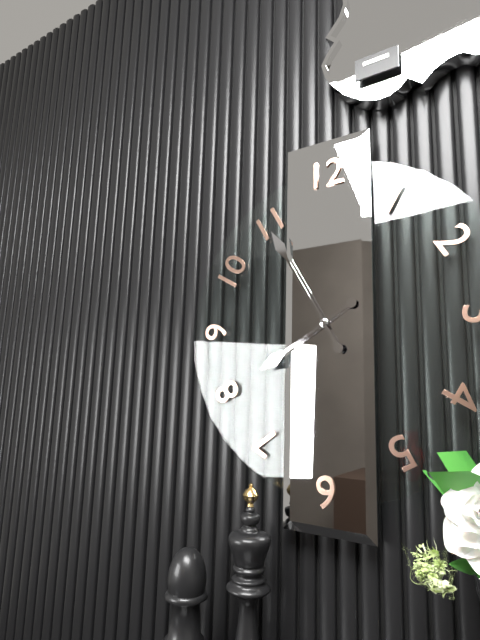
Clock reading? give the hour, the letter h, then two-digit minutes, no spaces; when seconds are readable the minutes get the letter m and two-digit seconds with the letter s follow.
7h55
